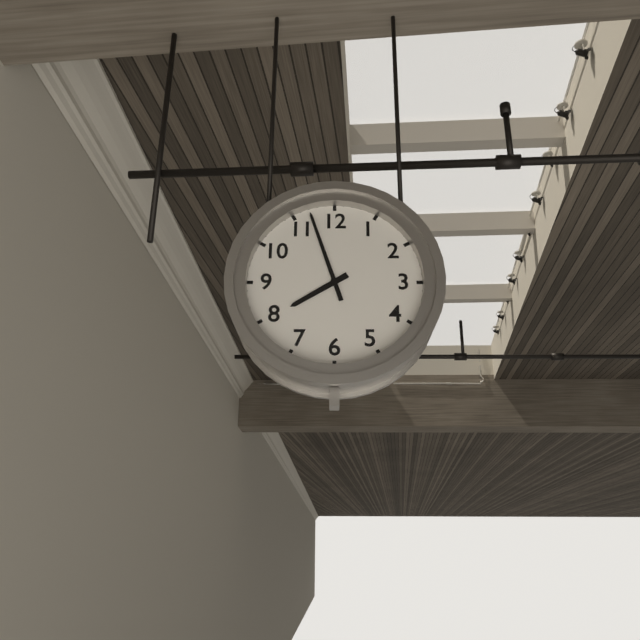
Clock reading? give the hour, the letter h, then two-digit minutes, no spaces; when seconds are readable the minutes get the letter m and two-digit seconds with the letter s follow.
7h57
